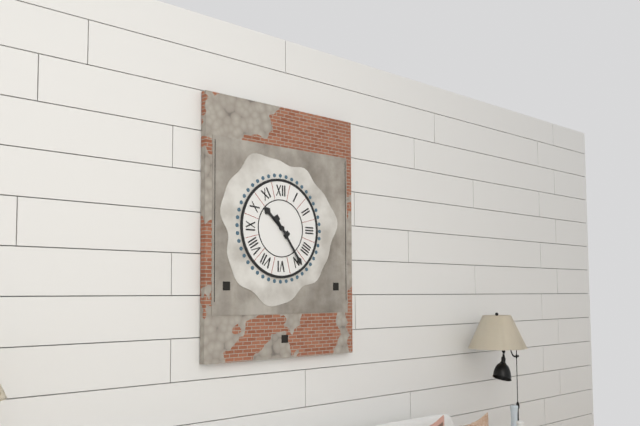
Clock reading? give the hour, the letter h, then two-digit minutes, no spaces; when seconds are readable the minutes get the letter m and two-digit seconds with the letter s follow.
10h24
